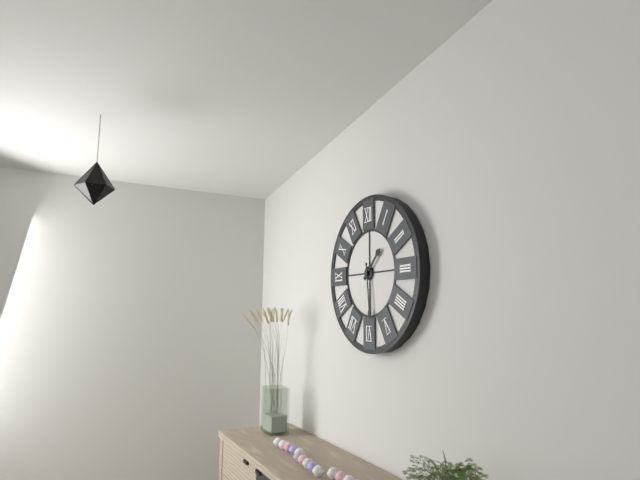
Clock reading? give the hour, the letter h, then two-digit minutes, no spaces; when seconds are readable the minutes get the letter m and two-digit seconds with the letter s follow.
1h29
